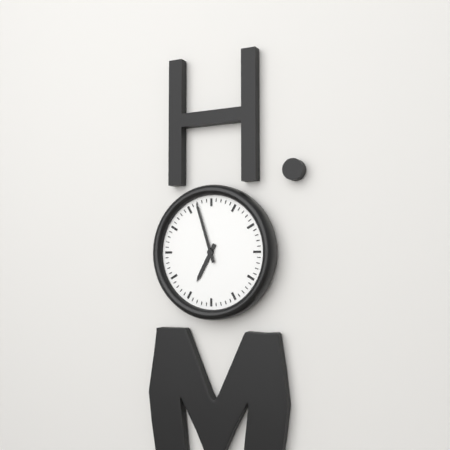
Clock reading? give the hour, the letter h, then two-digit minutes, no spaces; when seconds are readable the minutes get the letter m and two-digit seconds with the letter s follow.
6h57
